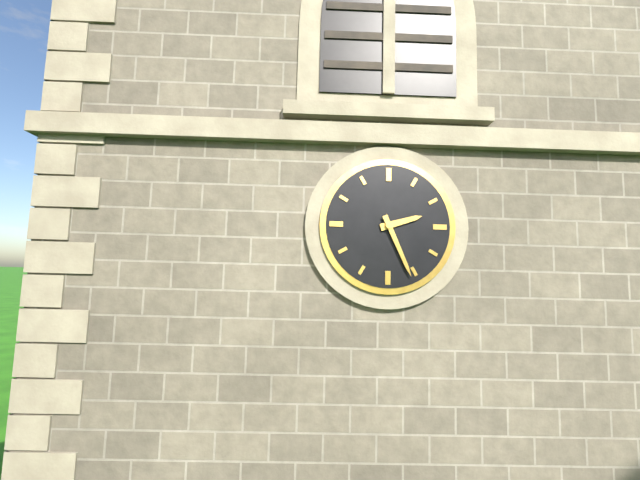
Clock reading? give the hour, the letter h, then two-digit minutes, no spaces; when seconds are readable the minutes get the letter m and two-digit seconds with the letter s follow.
2h26
